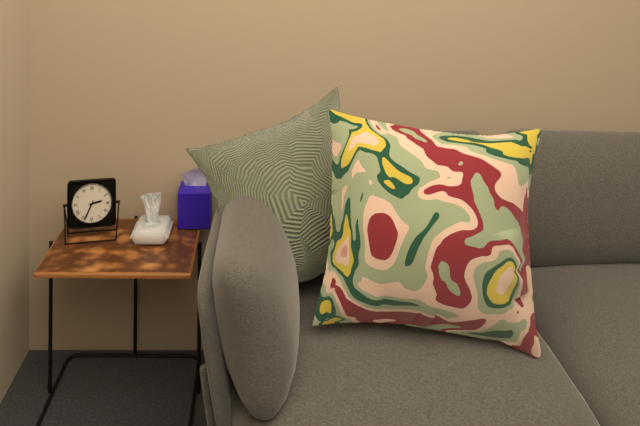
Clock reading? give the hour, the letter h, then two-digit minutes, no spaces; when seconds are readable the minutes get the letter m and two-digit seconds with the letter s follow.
2h34
